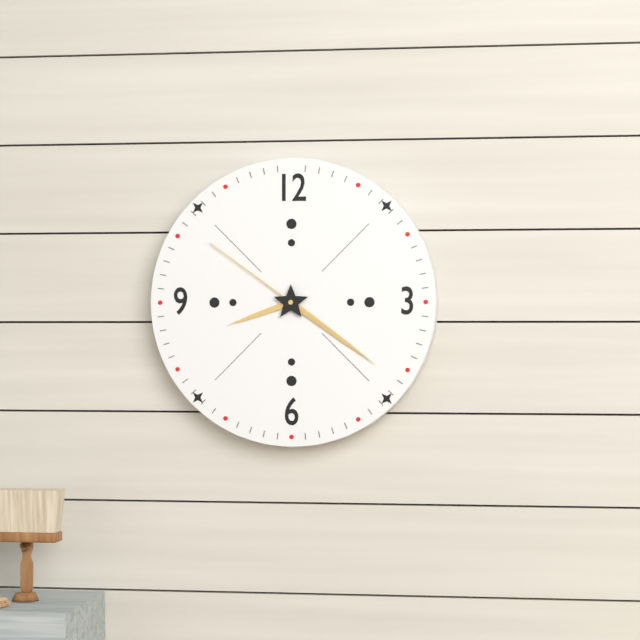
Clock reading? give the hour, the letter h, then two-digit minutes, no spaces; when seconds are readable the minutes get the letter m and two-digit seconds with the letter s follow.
8h21m51s
